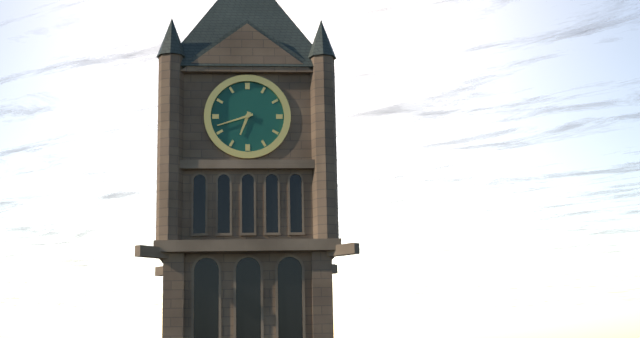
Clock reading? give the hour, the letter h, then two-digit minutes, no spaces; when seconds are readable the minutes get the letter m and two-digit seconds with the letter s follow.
6h42
